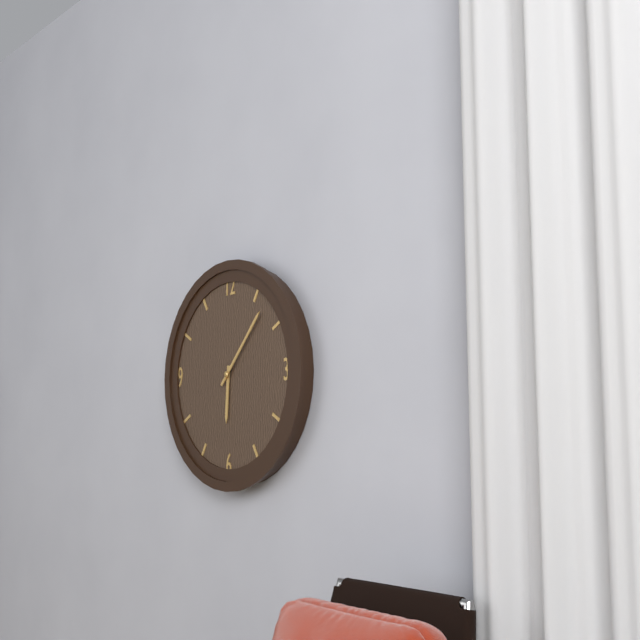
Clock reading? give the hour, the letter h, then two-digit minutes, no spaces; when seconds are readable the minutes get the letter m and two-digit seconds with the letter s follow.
6h07
